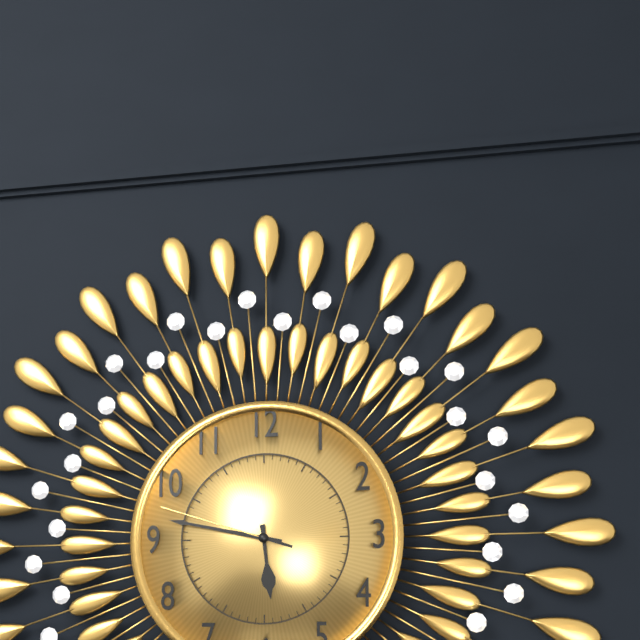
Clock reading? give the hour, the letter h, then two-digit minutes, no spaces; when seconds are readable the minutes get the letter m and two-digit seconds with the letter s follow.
5h47m48s
